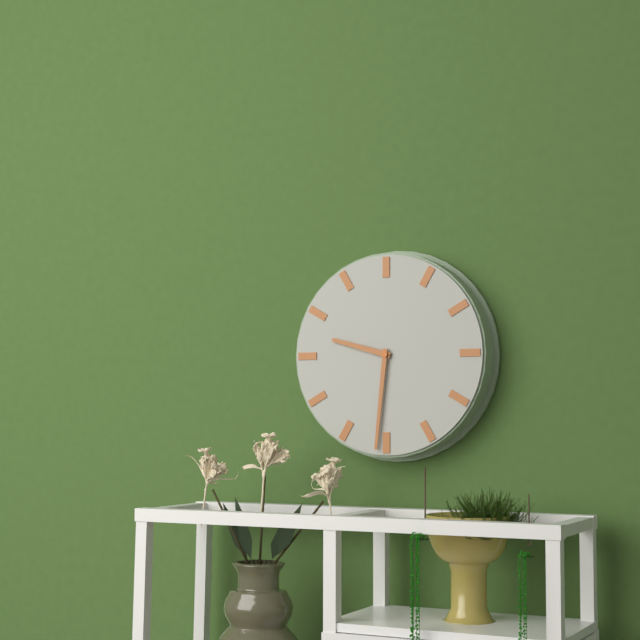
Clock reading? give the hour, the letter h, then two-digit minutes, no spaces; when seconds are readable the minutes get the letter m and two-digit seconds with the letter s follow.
9h31
